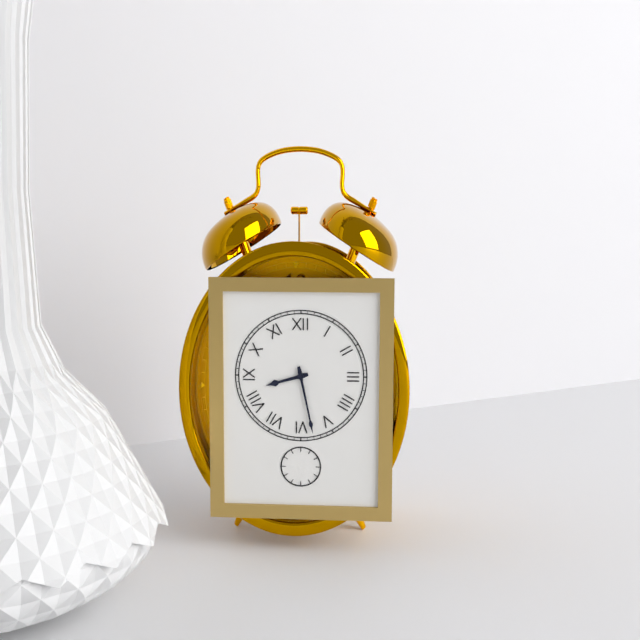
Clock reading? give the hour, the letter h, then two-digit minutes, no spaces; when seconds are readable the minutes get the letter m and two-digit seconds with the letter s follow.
8h28
